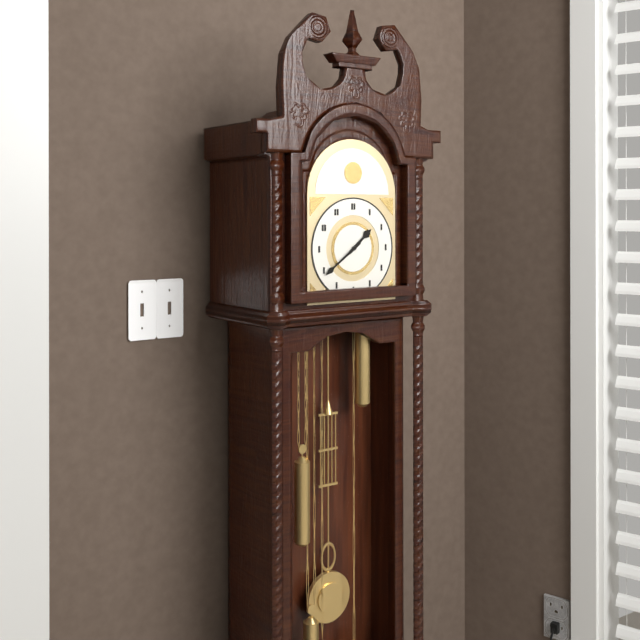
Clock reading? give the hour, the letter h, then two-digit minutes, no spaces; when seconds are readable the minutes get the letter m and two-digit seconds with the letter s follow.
1h39
